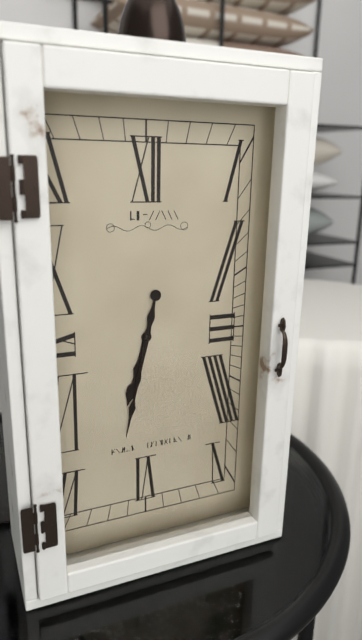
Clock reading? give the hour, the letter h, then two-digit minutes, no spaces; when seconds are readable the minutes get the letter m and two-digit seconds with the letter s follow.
6h32
